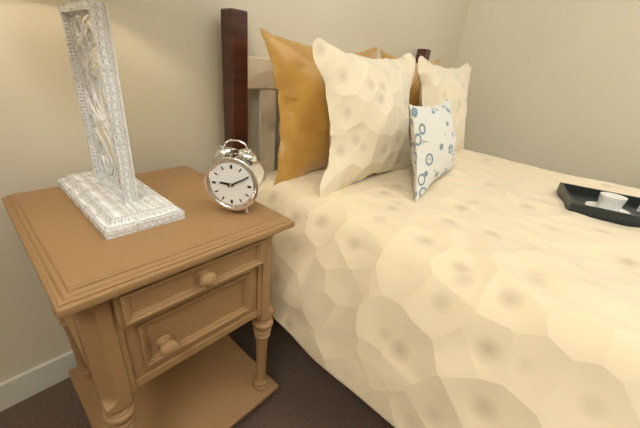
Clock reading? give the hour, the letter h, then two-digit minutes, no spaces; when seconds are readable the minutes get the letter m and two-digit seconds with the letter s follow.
9h10
